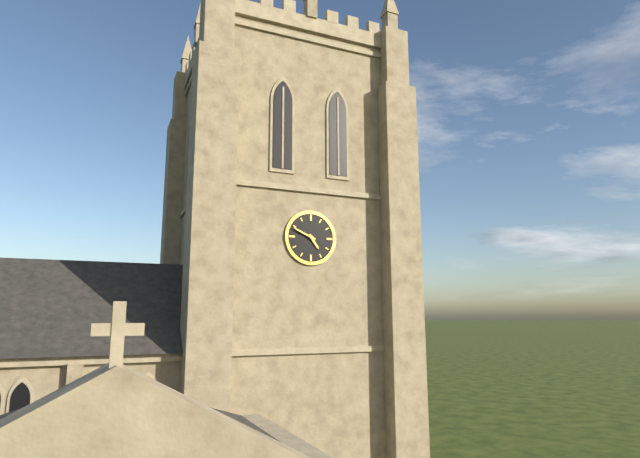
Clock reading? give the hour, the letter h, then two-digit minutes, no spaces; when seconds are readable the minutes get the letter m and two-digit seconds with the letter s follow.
4h49
